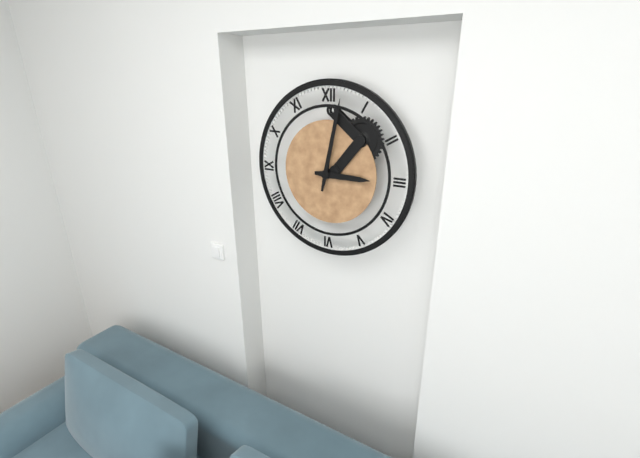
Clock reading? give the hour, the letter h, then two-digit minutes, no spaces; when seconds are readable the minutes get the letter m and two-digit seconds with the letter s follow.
3h02
